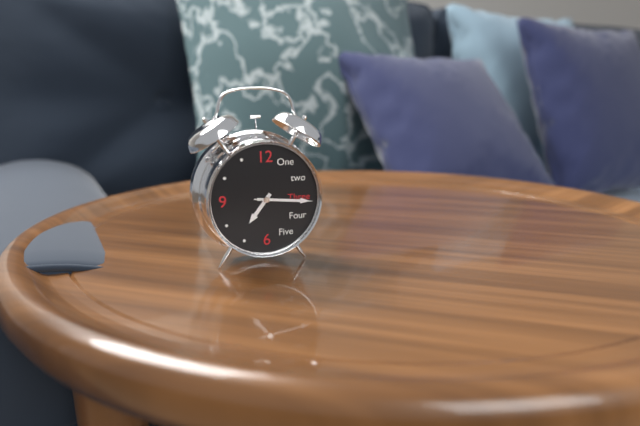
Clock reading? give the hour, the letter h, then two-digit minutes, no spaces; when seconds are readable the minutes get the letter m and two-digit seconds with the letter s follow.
7h16m16s
